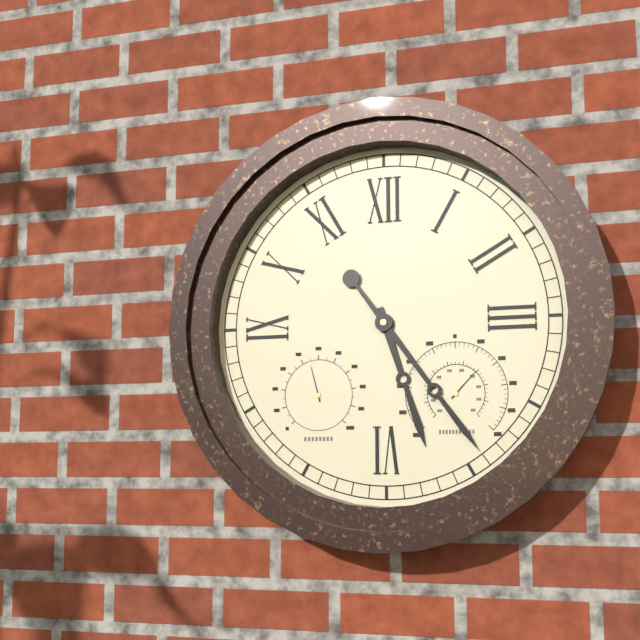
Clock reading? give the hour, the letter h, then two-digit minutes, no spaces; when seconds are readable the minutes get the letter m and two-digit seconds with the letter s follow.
5h24
